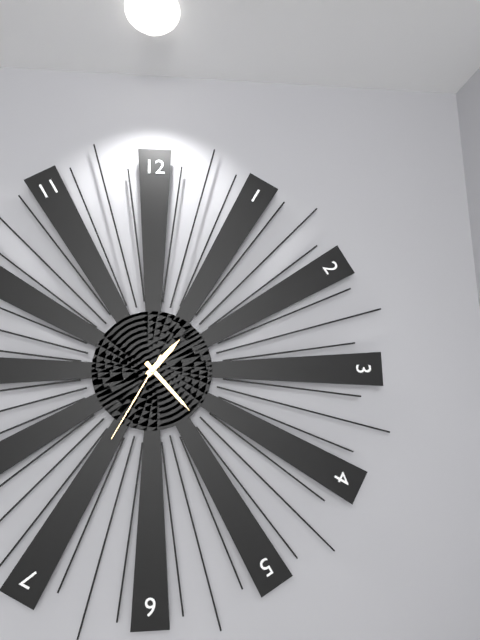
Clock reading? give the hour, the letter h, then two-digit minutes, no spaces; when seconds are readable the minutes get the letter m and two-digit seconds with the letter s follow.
1h23m35s
